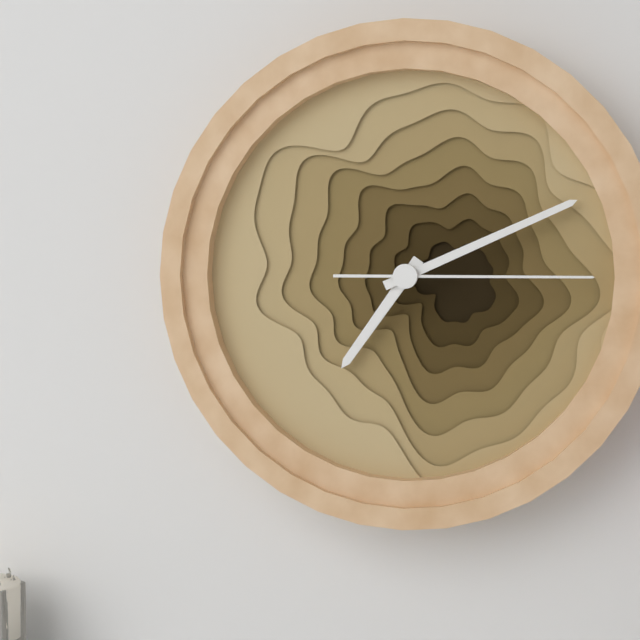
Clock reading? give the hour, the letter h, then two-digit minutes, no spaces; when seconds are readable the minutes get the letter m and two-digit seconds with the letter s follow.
7h11m15s
